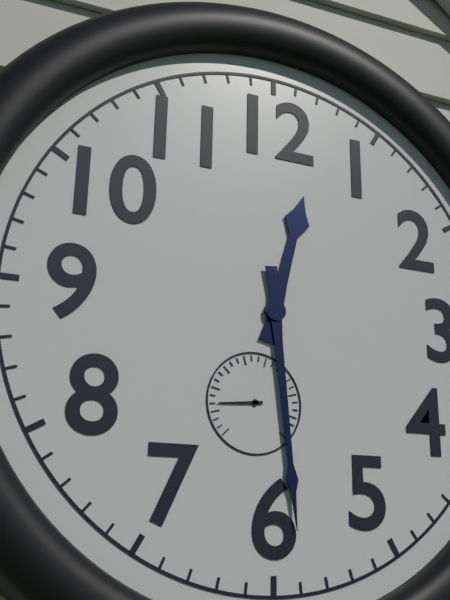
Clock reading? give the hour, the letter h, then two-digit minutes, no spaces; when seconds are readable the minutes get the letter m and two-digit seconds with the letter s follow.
12h29
